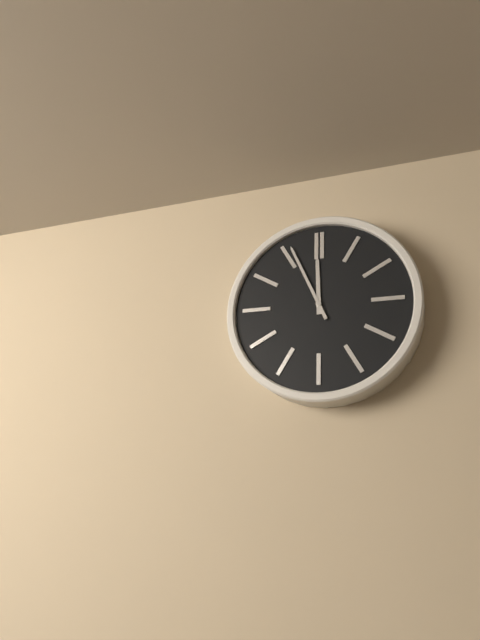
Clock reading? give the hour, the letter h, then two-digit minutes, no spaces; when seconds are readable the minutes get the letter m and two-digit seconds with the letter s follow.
11h56
